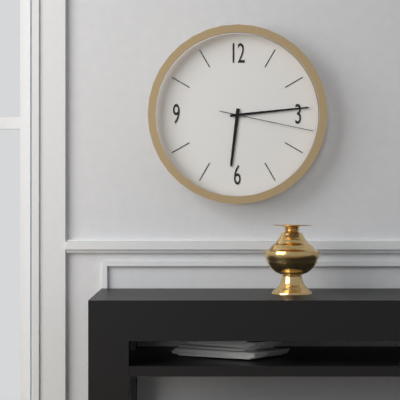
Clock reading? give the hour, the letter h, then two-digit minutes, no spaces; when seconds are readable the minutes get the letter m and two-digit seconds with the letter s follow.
6h14m17s
